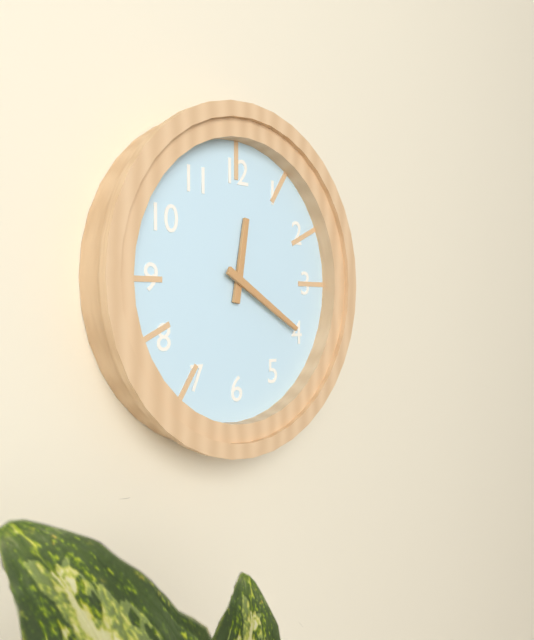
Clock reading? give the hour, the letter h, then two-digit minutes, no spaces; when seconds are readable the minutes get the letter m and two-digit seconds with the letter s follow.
12h20
